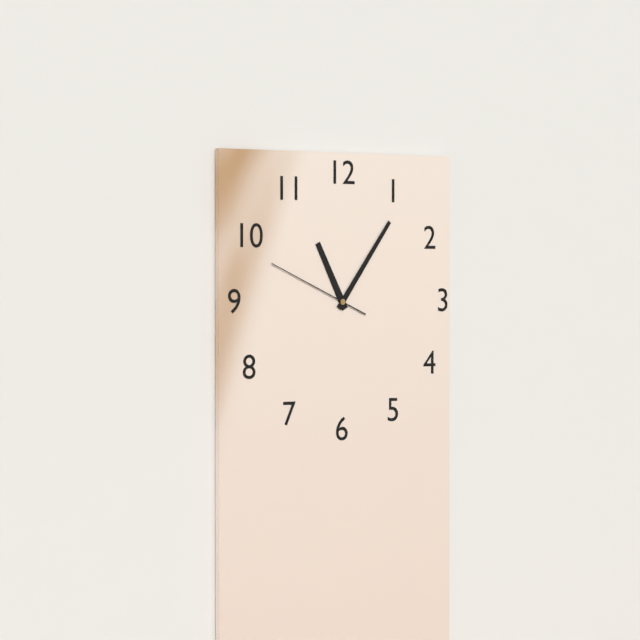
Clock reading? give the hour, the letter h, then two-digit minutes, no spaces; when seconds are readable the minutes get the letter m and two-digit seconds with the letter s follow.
11h06m49s
